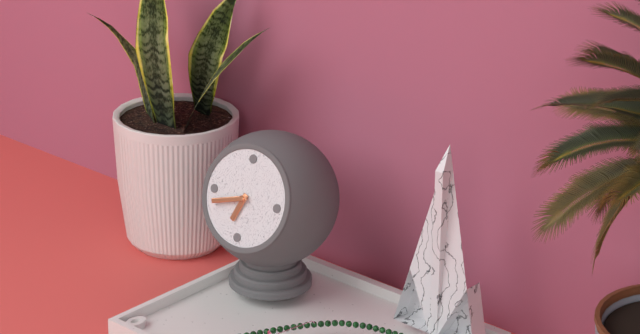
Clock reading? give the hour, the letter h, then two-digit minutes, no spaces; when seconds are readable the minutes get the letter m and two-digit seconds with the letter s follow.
6h42
